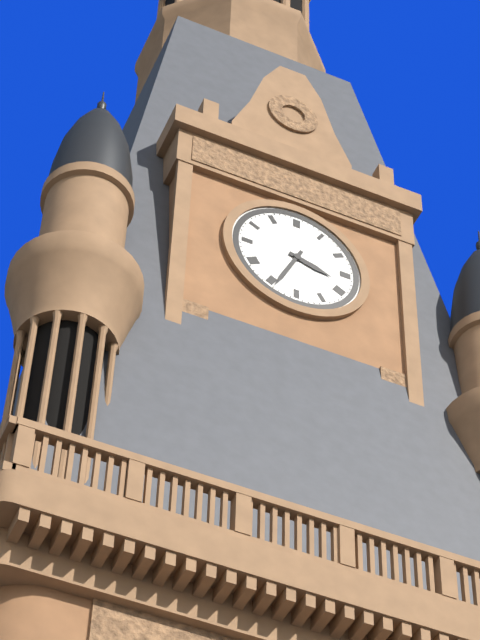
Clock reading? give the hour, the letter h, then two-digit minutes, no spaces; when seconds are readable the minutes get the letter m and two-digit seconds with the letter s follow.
3h34
